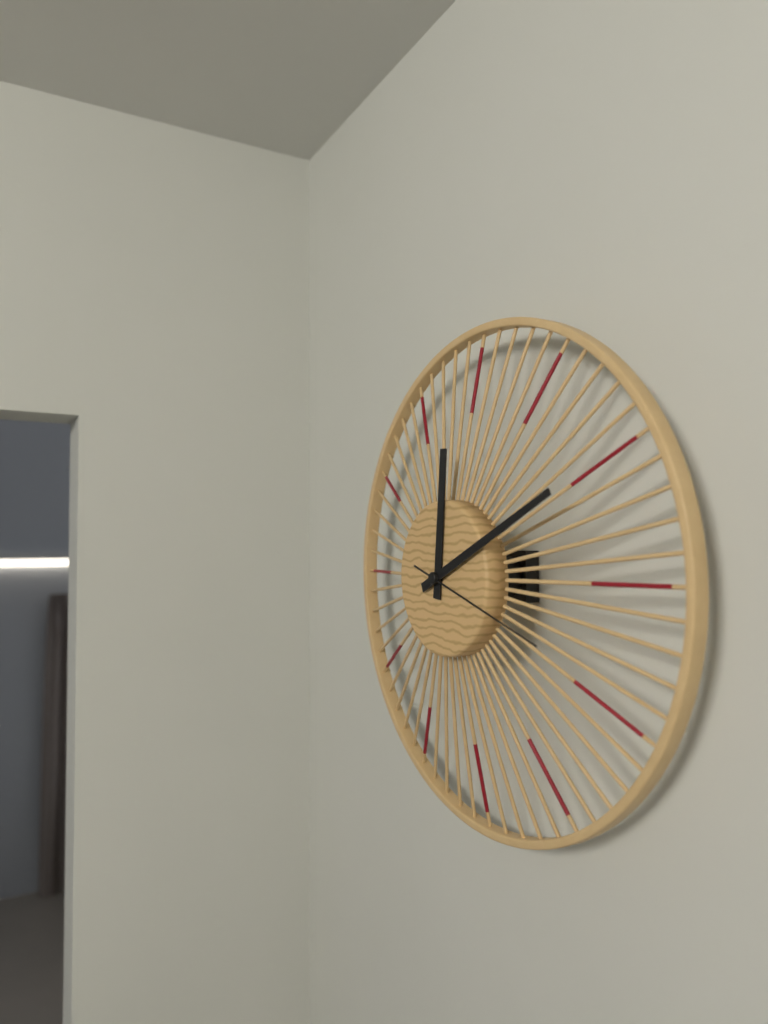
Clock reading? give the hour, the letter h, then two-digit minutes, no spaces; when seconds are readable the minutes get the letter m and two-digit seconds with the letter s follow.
12h11m18s
